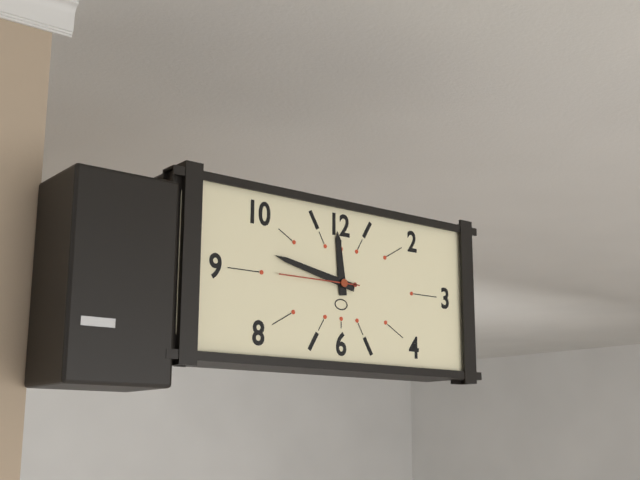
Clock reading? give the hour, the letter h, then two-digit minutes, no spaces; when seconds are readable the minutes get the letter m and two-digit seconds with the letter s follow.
11h47m45s
